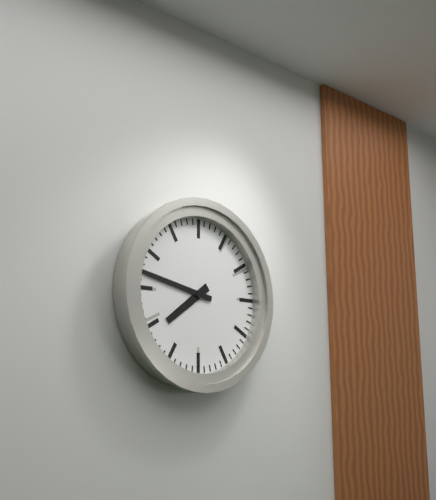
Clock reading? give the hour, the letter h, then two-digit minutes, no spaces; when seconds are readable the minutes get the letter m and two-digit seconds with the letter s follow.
7h47
